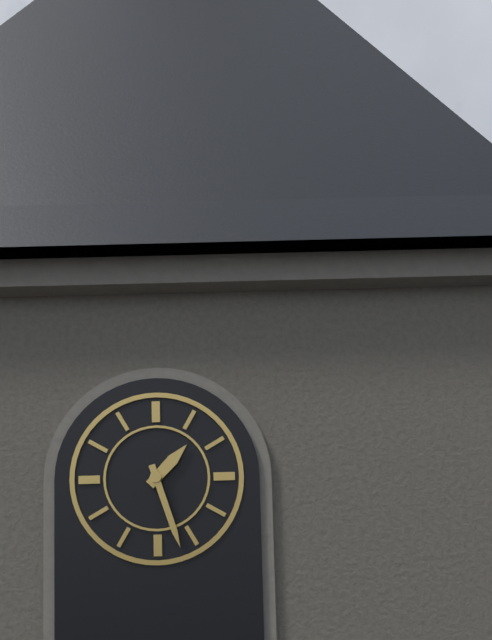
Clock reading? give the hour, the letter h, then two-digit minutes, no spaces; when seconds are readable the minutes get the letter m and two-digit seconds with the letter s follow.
1h27
